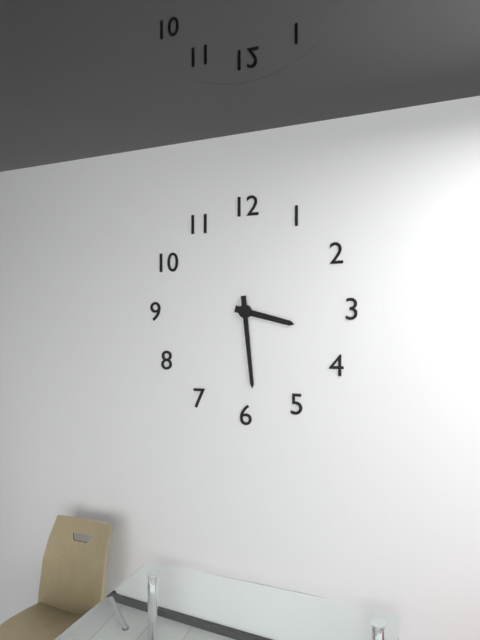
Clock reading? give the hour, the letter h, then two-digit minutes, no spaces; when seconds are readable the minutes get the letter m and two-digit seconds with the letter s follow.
3h29
